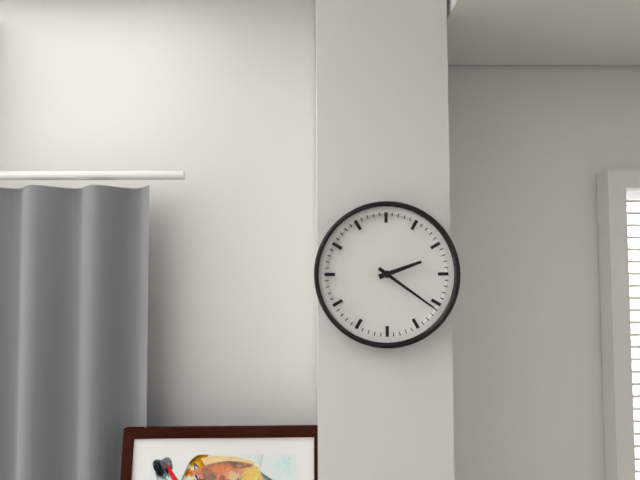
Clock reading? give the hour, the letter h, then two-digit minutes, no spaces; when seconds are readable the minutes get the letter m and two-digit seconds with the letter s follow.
2h21
